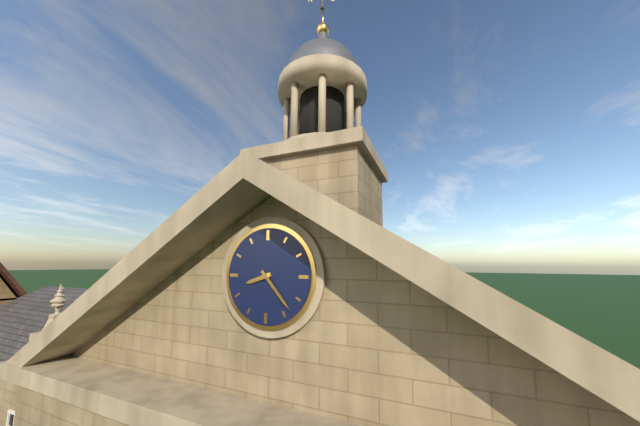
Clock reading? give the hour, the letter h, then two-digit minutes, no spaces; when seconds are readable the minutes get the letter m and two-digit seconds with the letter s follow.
8h23
